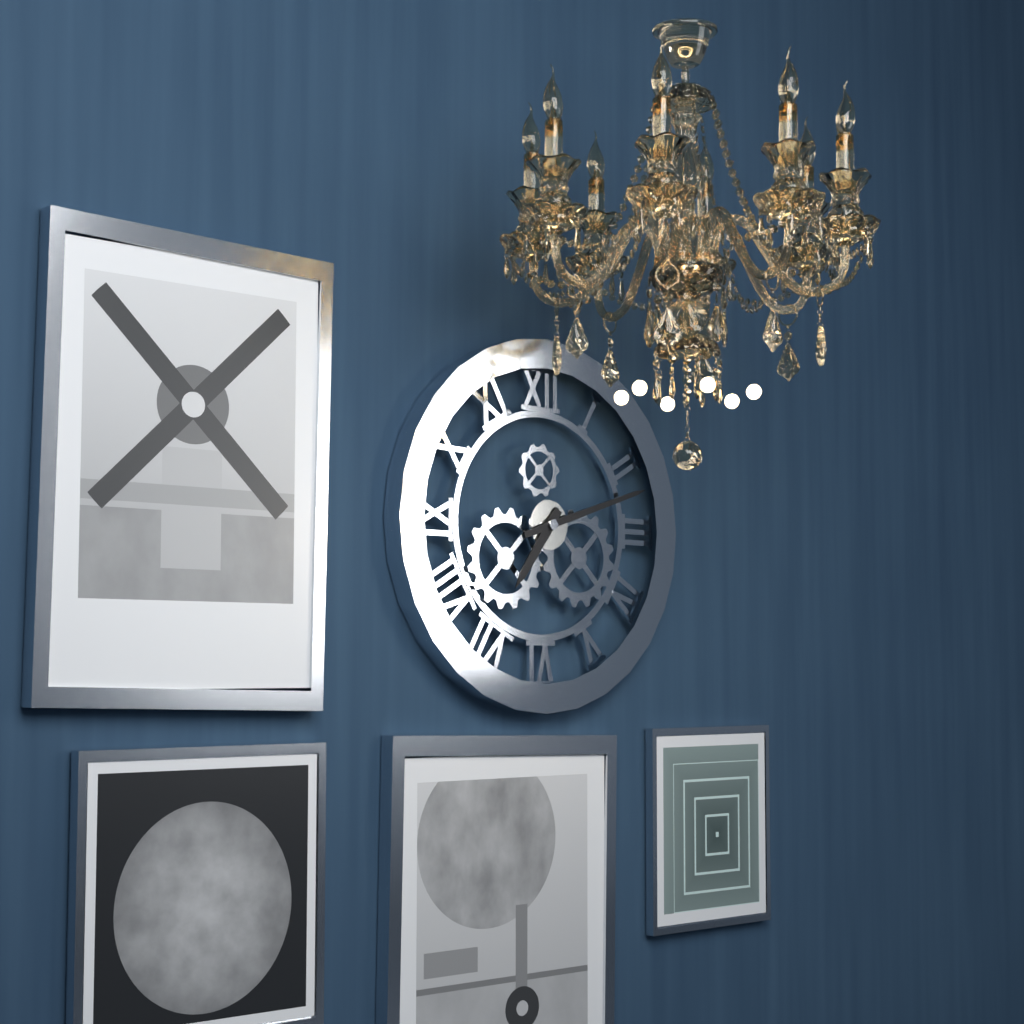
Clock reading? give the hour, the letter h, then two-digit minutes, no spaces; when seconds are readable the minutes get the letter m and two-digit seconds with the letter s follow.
7h12
